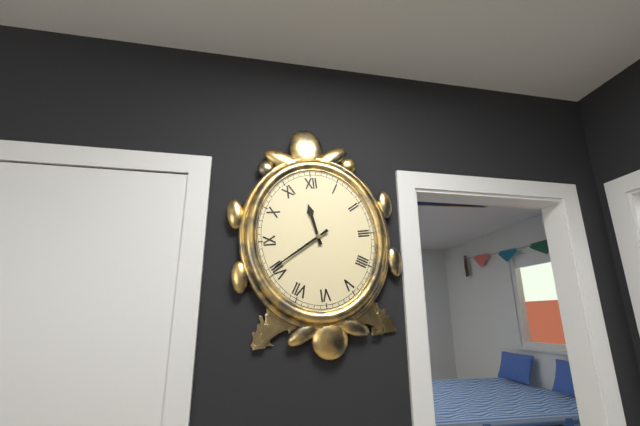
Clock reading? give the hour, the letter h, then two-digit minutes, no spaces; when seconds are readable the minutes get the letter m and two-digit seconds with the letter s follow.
11h40
